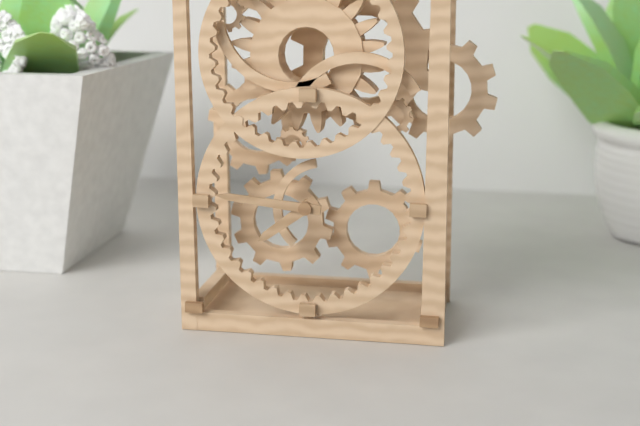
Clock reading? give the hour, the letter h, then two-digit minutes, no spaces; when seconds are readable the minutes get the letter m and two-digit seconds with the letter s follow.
7h46
